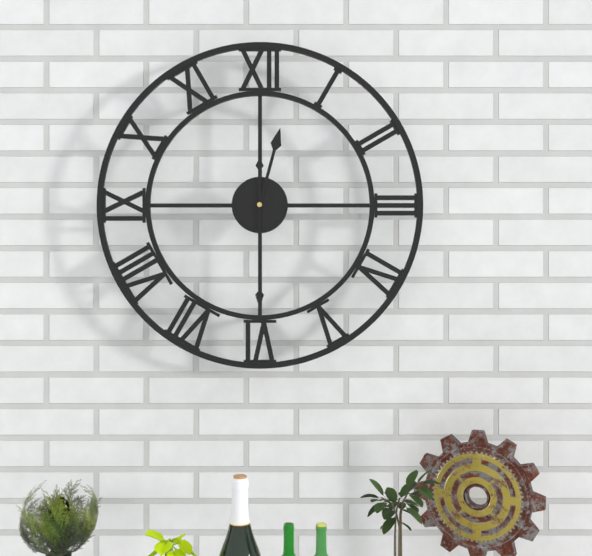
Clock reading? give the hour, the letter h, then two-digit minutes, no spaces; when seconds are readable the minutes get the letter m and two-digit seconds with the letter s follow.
12h30
